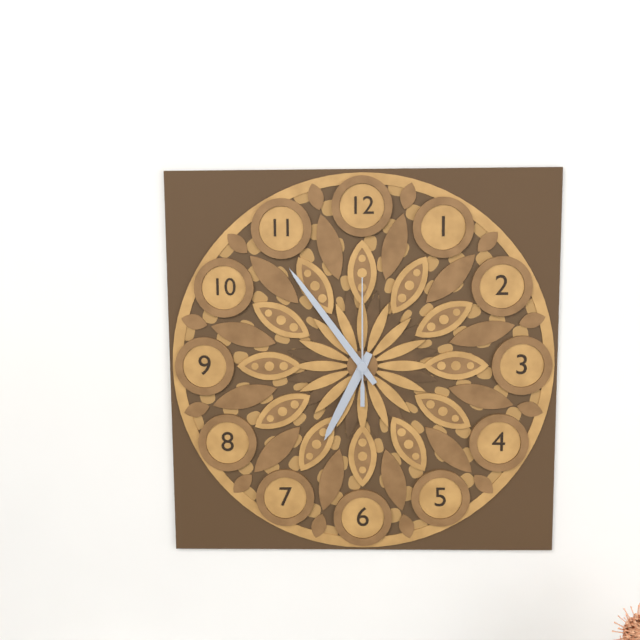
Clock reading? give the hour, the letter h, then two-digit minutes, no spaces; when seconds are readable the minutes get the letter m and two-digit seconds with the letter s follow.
6h54m00s
